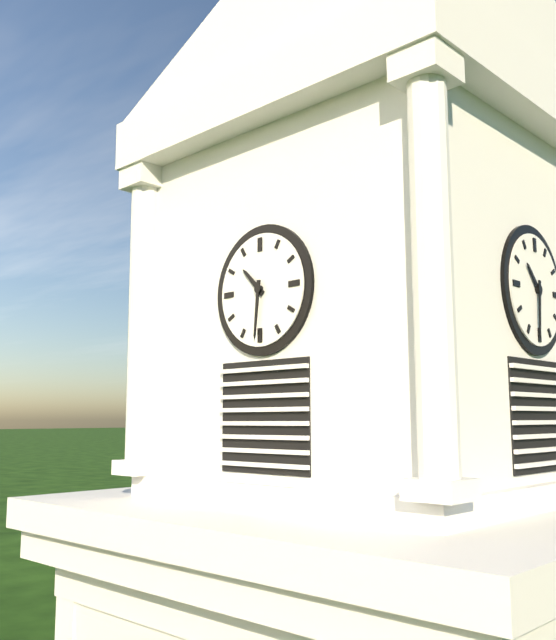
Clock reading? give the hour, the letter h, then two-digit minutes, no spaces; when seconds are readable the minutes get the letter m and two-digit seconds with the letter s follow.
10h31
